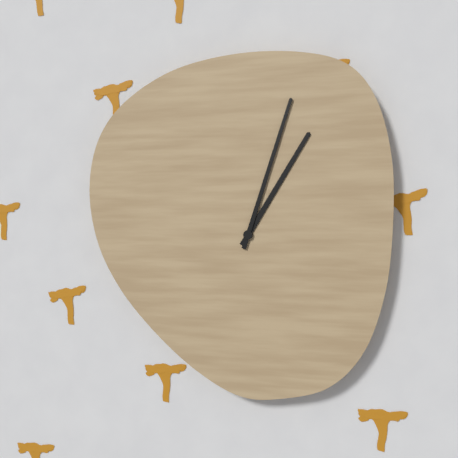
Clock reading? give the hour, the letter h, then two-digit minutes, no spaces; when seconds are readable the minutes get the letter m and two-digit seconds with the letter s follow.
1h03
